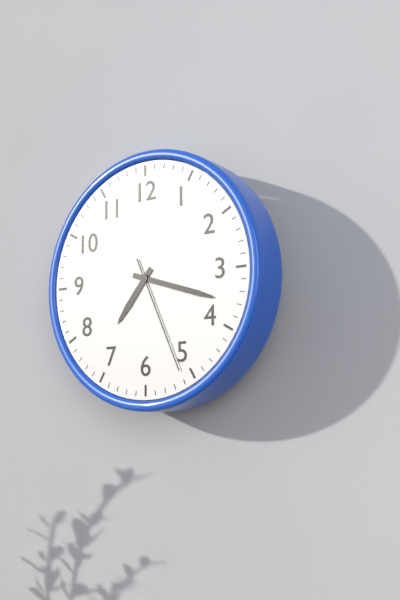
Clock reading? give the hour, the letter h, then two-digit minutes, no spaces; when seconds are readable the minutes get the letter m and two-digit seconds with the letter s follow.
7h18m26s
